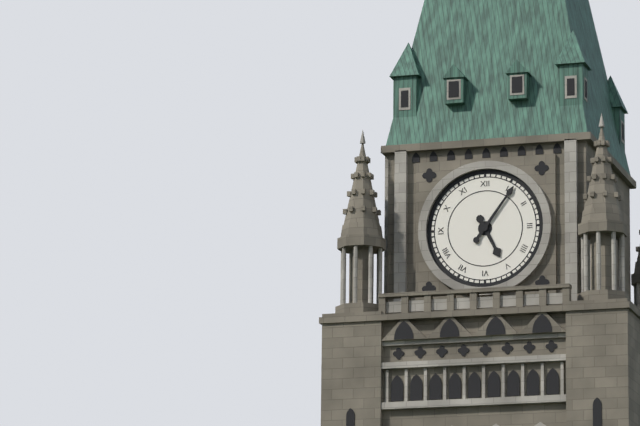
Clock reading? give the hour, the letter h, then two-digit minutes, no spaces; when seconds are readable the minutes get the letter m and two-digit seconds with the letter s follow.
5h06
